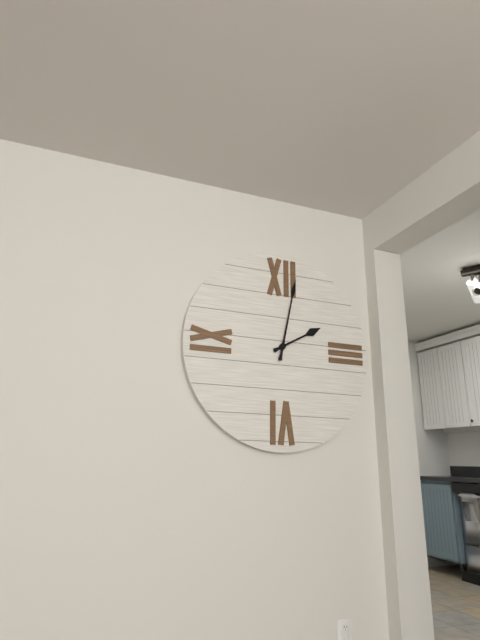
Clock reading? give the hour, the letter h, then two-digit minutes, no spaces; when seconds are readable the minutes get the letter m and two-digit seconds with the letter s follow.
2h02
